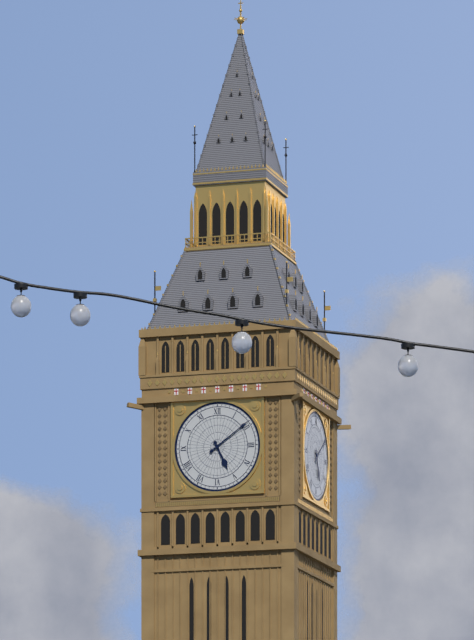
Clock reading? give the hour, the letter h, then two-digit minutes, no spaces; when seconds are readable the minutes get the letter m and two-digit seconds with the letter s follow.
5h09
